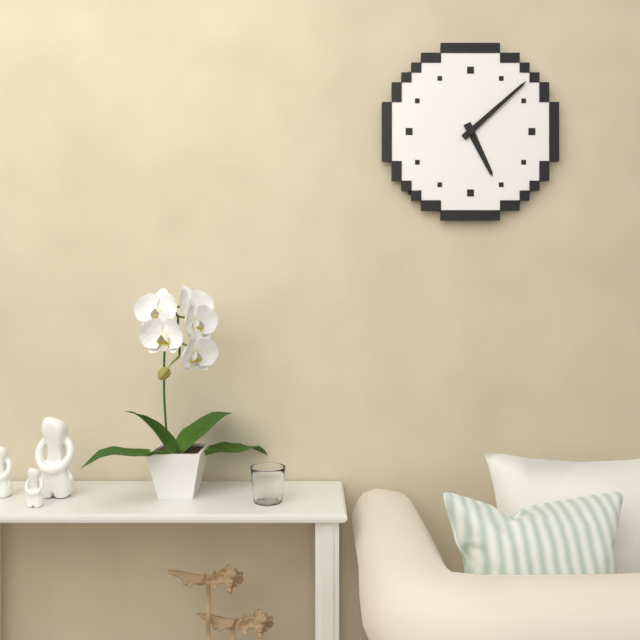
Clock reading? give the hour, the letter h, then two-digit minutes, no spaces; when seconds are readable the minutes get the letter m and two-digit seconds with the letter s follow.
5h08
